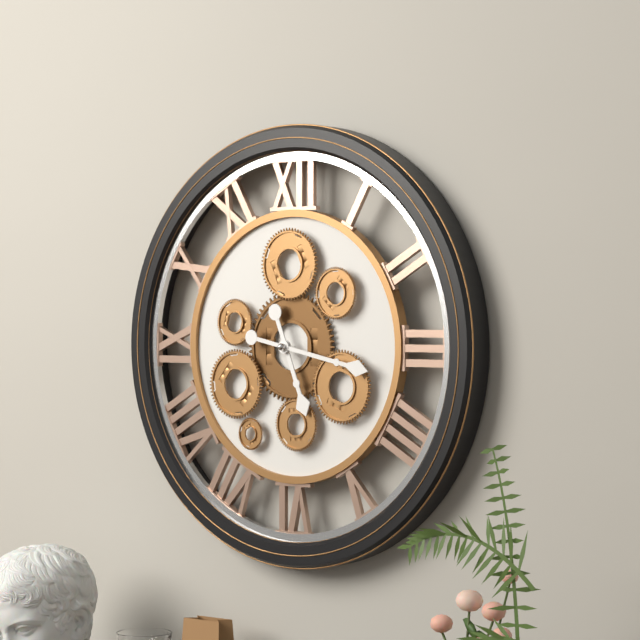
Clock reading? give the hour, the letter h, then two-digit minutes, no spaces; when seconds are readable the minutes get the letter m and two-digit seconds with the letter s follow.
5h17
